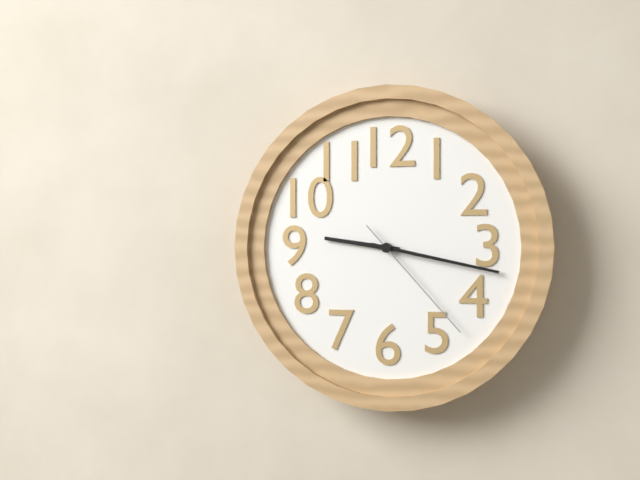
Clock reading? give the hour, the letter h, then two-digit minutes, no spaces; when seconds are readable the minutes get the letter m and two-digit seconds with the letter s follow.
9h17m23s
